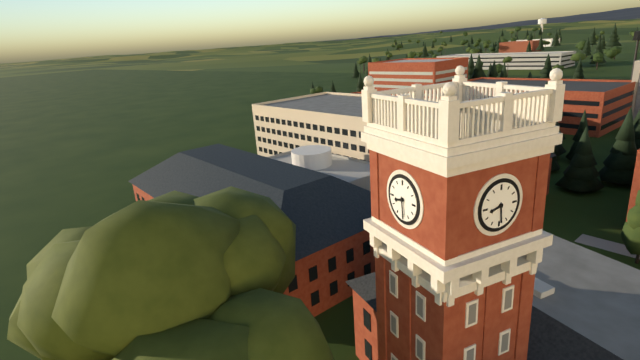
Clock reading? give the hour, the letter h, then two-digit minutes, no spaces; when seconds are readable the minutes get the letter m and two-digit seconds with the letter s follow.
8h29
